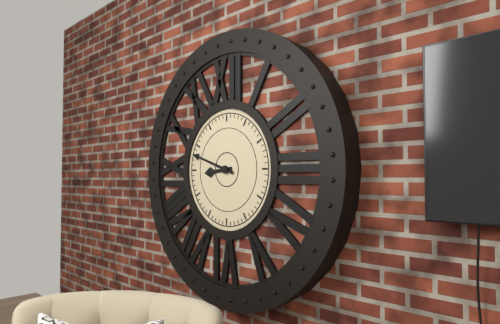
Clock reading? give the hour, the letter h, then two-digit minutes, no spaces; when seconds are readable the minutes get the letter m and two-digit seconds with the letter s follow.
8h48
